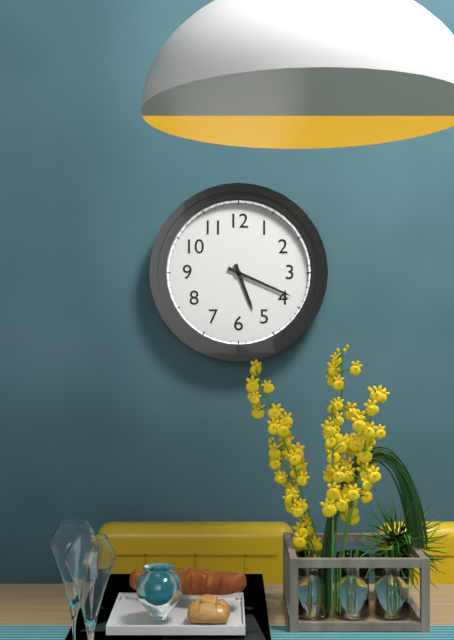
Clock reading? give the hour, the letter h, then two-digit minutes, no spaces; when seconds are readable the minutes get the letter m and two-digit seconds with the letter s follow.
5h19
